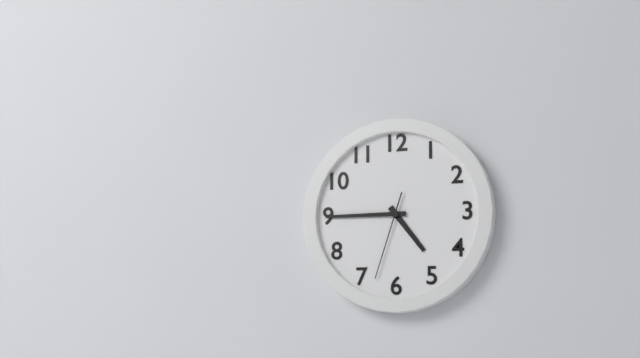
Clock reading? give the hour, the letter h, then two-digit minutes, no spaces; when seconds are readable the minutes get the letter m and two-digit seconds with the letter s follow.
4h45m33s
